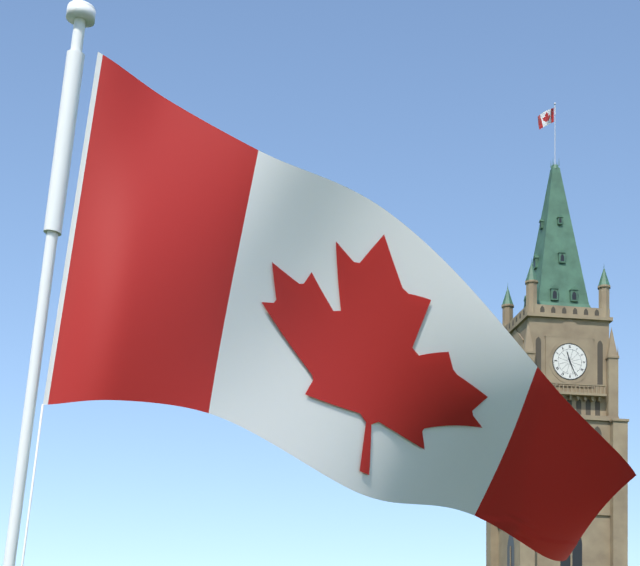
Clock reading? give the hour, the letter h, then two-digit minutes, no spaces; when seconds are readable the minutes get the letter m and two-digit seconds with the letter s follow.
11h26
